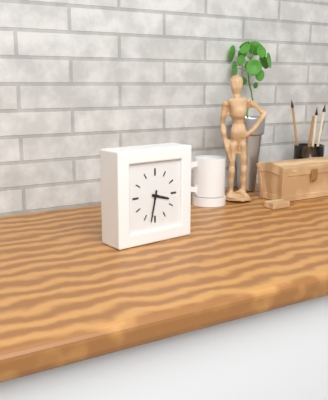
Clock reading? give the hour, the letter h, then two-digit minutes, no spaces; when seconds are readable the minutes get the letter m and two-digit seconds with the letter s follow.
3h32
